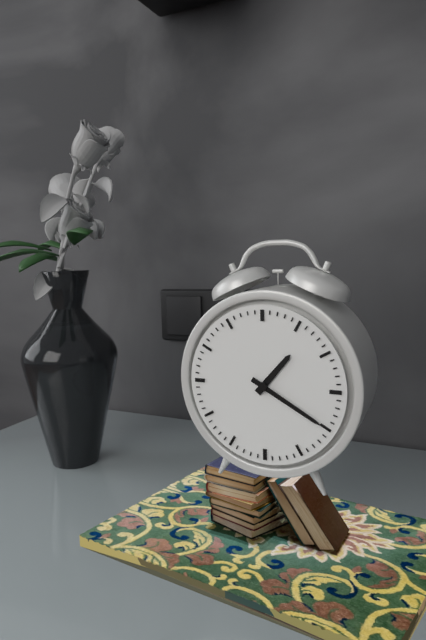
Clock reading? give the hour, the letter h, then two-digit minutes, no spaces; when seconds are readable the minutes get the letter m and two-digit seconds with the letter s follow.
1h20
